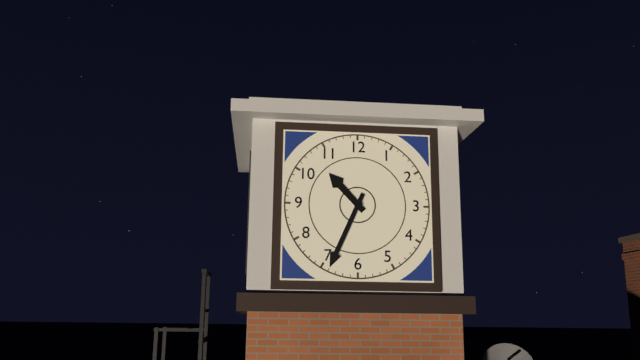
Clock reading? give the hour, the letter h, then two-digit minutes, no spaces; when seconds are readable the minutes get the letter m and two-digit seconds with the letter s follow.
10h34
